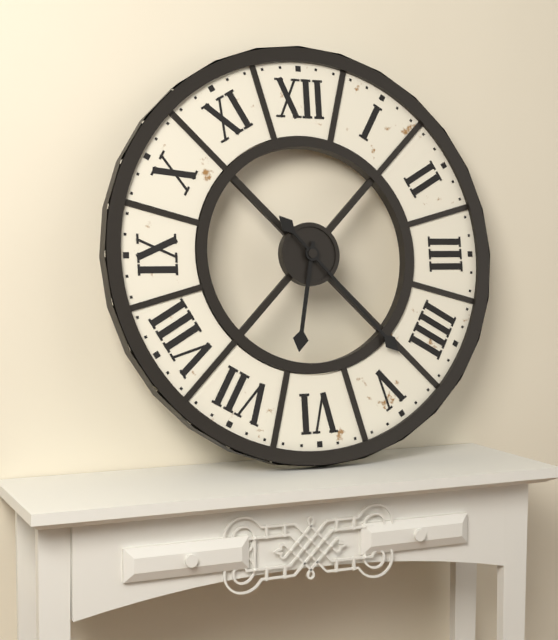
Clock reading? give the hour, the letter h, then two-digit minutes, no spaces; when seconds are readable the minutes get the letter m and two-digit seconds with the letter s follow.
6h23
